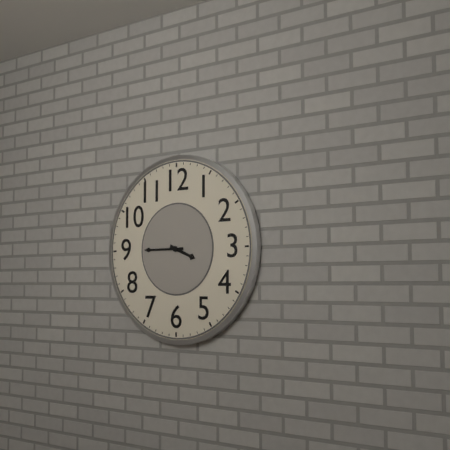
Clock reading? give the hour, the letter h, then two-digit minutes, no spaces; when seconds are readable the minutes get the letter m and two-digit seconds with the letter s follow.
3h45
